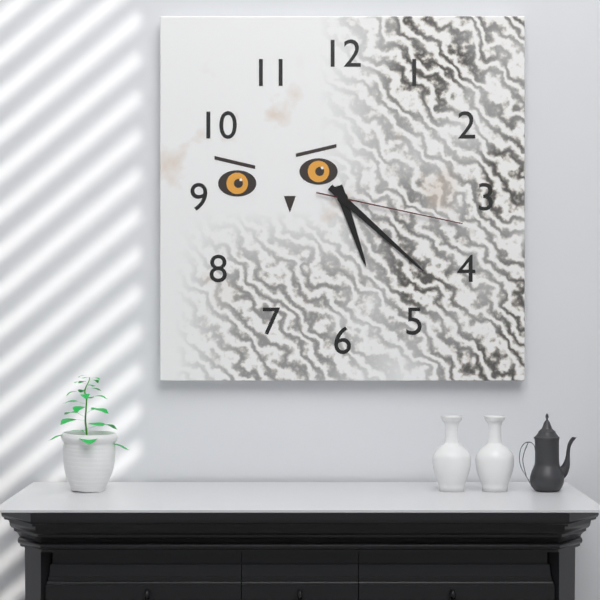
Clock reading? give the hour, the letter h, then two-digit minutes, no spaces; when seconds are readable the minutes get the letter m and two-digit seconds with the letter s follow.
5h22m17s
